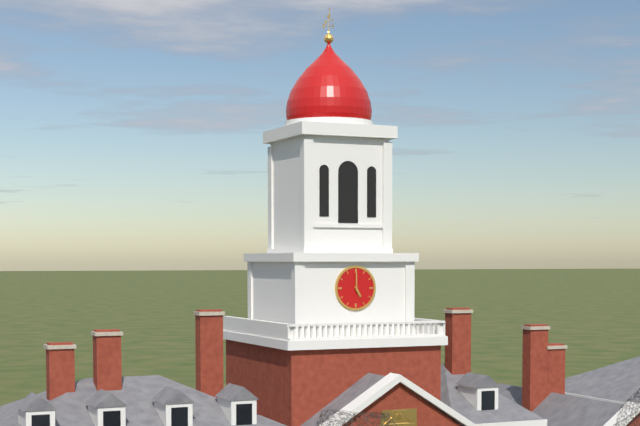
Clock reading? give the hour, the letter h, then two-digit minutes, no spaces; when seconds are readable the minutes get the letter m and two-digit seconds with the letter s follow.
5h00
